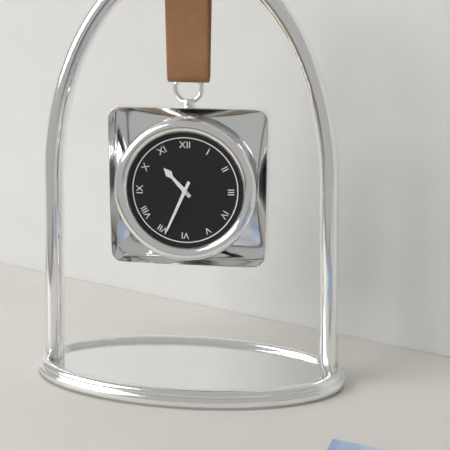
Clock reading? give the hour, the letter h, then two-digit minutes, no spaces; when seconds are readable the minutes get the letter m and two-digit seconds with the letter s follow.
10h34
